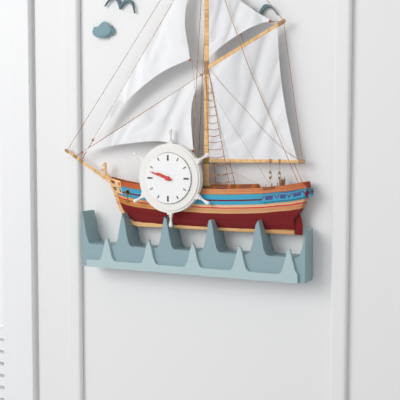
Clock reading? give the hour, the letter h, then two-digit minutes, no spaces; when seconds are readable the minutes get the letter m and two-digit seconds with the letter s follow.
9h48
